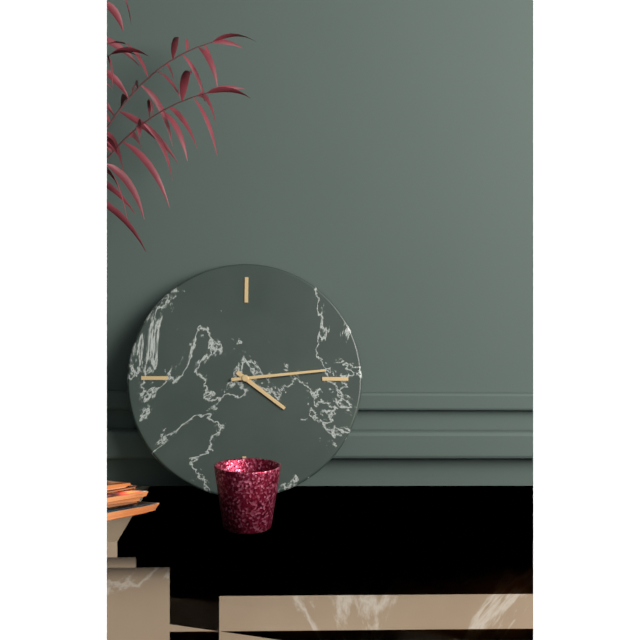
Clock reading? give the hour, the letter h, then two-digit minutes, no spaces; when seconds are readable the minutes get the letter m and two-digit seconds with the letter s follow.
4h14
